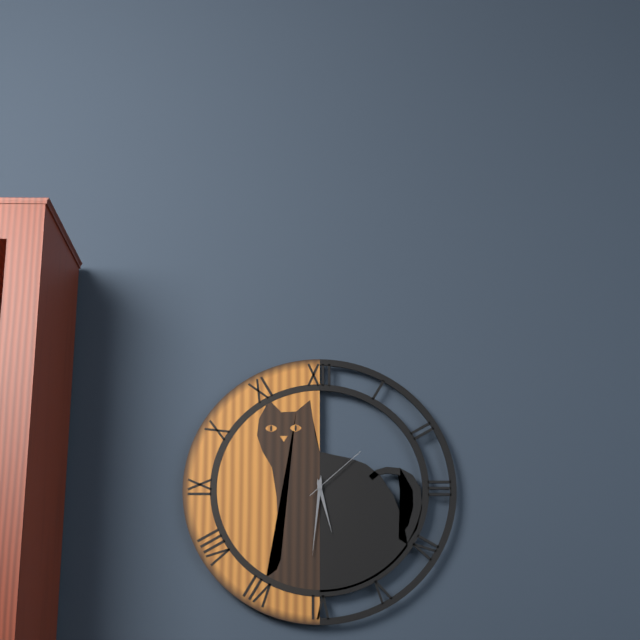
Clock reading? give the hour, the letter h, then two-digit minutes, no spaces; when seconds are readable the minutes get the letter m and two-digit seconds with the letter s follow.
5h31m08s
